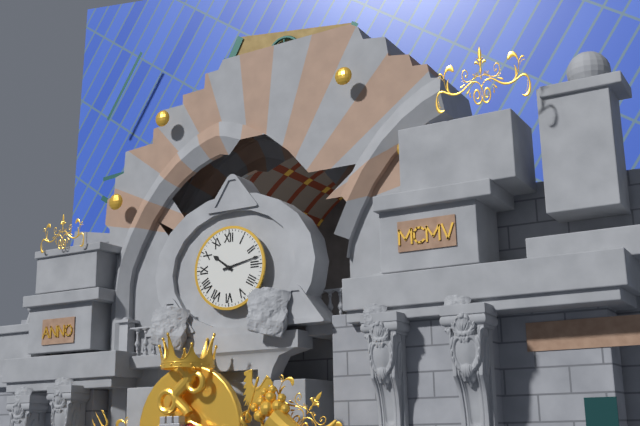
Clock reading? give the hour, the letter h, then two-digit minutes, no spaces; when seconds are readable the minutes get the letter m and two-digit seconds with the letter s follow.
10h13
